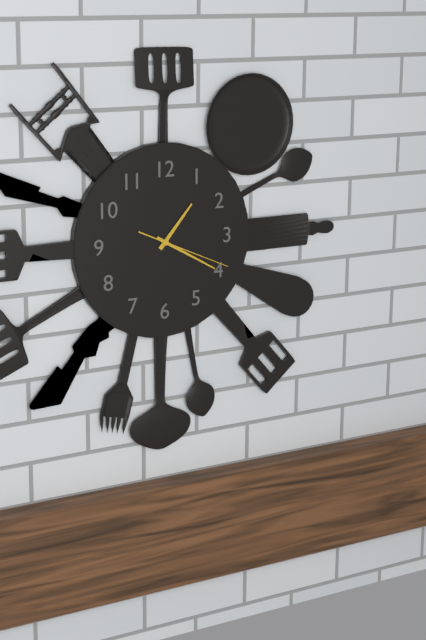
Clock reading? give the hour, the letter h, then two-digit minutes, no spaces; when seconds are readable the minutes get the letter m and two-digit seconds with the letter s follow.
1h20m19s
